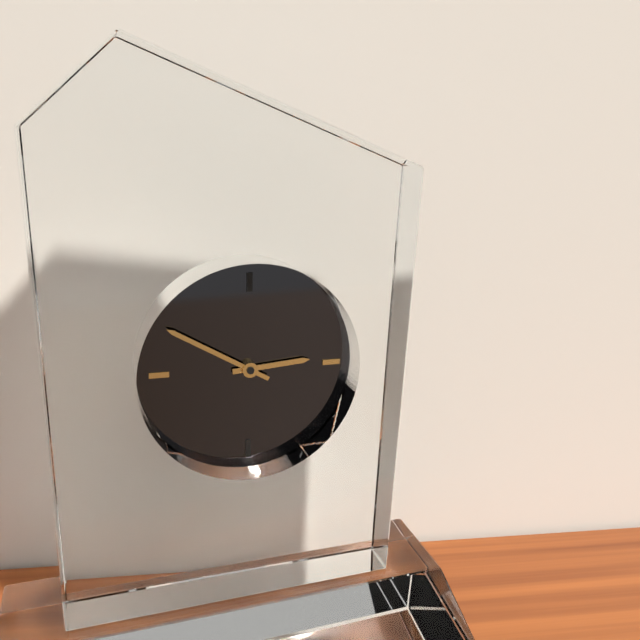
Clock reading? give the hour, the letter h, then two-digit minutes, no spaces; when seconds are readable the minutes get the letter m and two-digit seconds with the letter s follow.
2h50
